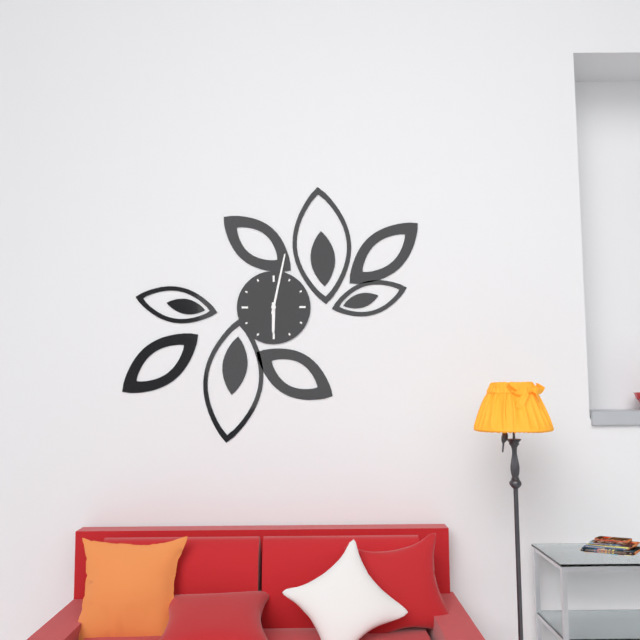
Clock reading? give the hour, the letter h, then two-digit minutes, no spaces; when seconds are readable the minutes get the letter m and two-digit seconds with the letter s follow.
6h02
